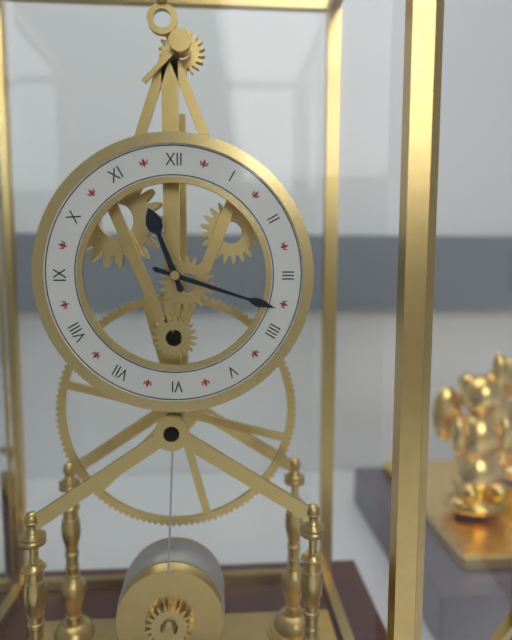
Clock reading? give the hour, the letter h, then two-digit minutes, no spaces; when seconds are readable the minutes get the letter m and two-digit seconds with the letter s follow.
11h18
